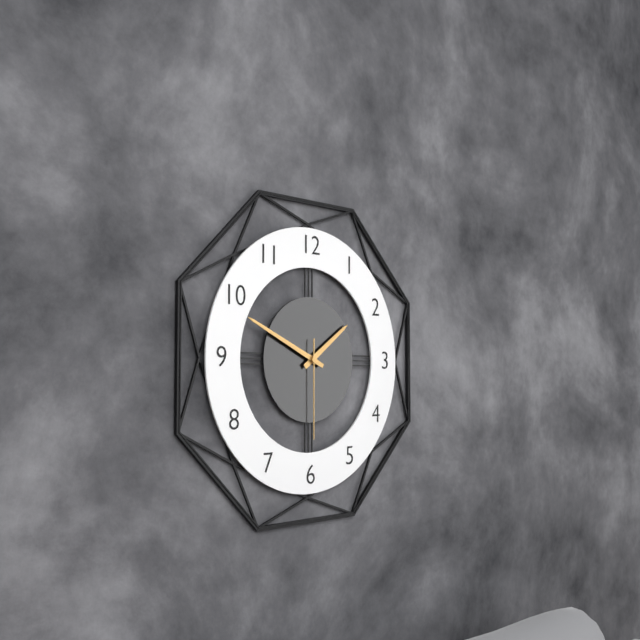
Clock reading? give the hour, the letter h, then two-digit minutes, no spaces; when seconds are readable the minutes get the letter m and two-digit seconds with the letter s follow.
1h49m30s
